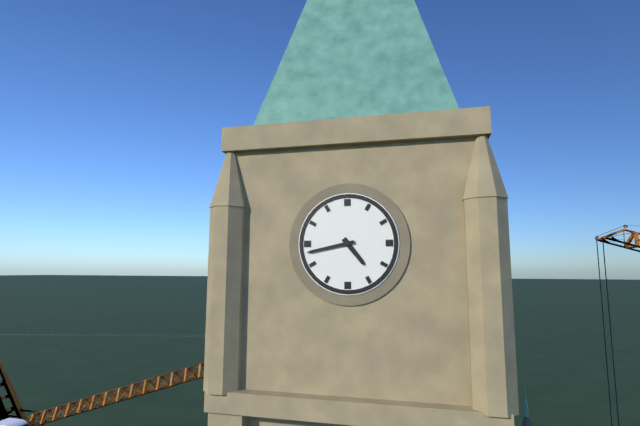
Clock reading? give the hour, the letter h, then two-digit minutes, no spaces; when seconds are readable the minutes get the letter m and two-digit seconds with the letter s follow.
4h43
